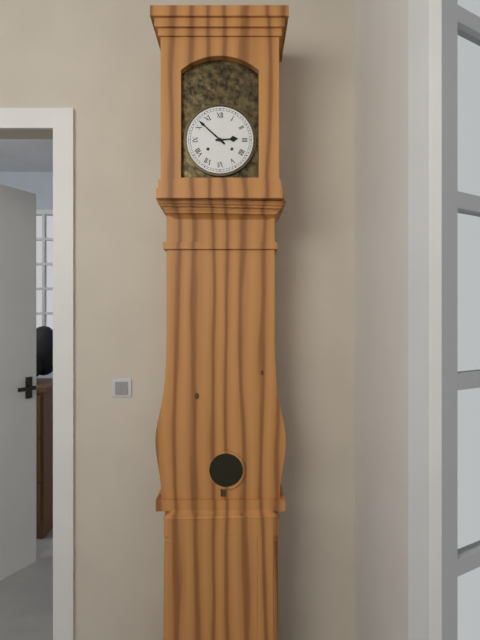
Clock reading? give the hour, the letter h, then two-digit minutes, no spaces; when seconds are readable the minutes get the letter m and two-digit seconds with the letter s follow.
2h52
